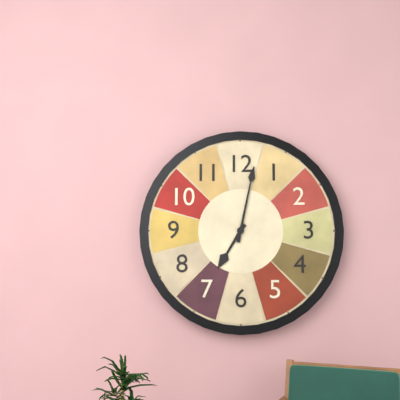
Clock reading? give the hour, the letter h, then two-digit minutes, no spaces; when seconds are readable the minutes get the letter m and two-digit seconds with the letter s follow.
7h02
